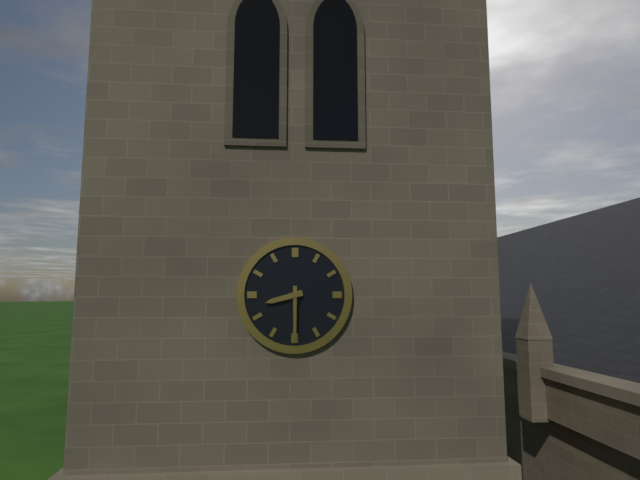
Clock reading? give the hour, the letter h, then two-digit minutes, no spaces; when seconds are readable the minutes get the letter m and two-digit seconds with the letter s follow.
8h30
